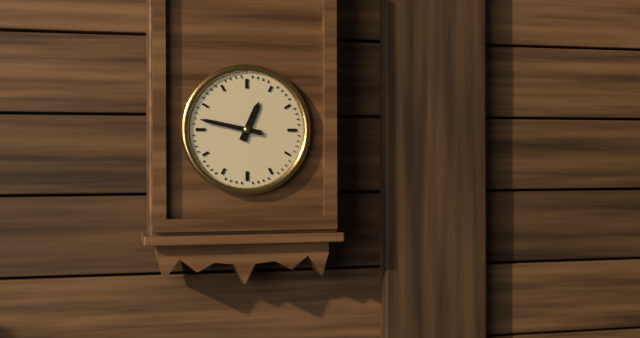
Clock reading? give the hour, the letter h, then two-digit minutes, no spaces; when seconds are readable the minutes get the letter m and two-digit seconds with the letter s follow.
12h47
